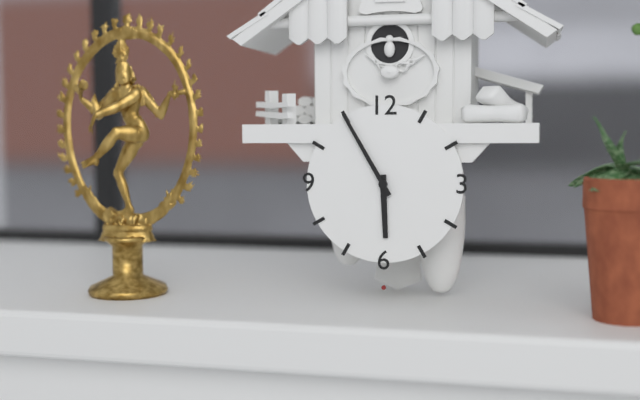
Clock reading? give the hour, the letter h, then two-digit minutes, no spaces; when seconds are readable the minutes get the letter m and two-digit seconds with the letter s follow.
5h55
